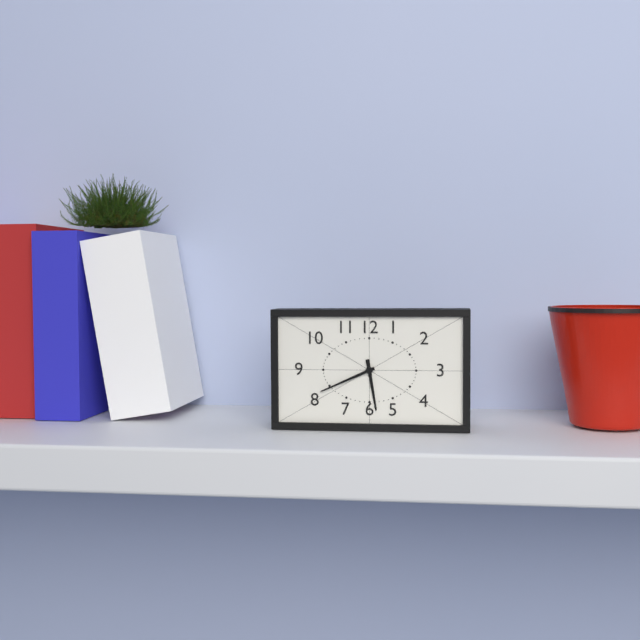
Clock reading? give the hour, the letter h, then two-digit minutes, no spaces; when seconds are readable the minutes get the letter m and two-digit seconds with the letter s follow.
5h41
